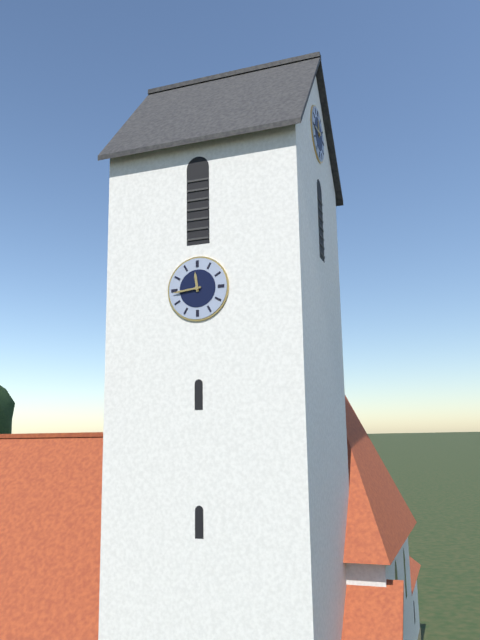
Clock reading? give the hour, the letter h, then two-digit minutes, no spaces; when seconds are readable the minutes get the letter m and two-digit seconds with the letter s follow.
11h44
